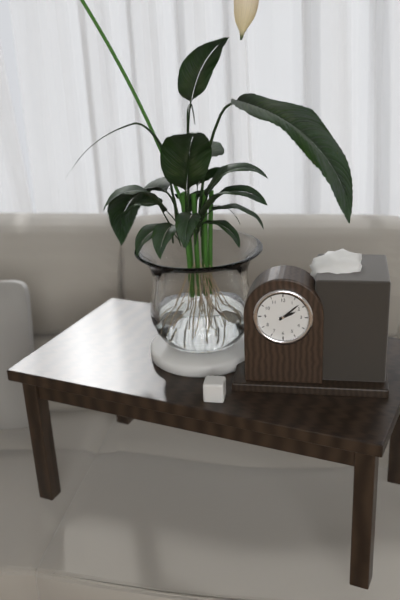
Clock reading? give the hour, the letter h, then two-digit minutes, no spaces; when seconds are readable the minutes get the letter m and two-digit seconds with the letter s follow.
2h08
